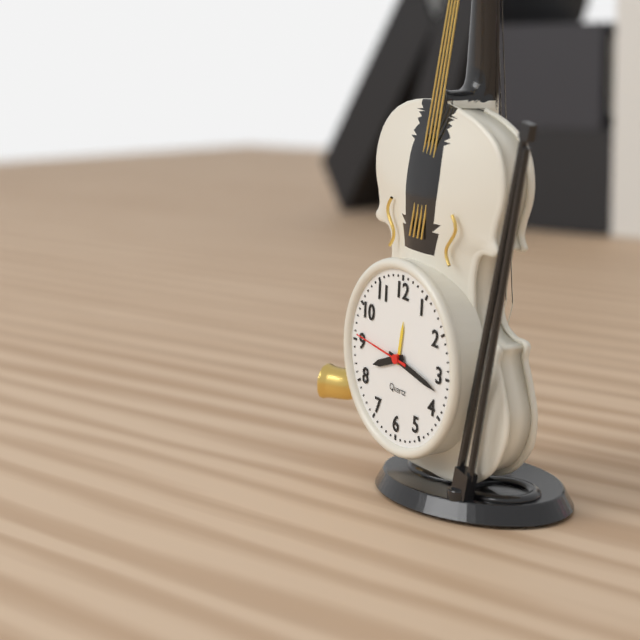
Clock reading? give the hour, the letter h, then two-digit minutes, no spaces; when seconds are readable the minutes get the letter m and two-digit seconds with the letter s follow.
8h17m46s
